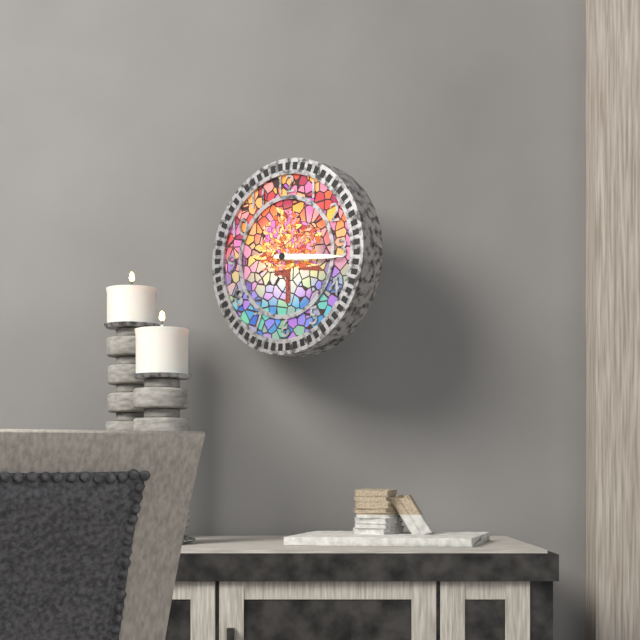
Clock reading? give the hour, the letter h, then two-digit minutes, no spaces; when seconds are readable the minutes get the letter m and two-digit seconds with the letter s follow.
3h16
